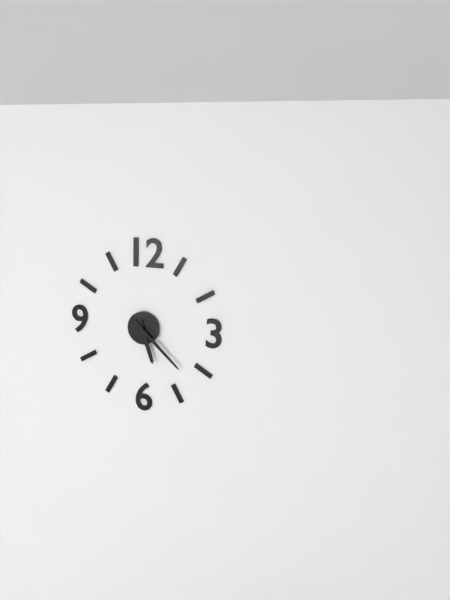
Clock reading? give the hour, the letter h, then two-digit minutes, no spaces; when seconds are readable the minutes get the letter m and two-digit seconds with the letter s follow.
5h22
